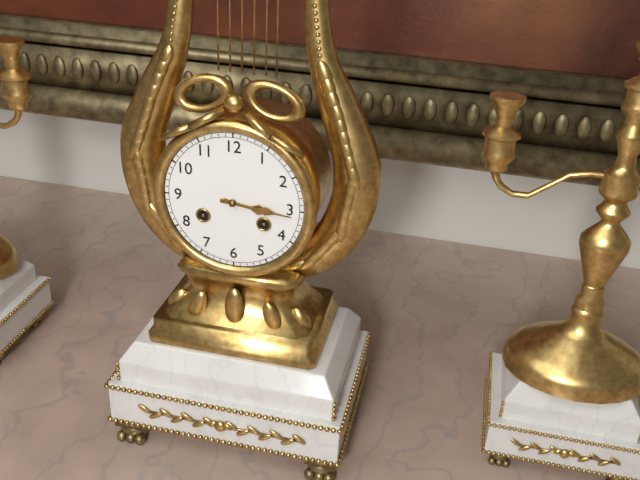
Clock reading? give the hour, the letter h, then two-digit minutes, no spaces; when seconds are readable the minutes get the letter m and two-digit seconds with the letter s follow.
3h16
